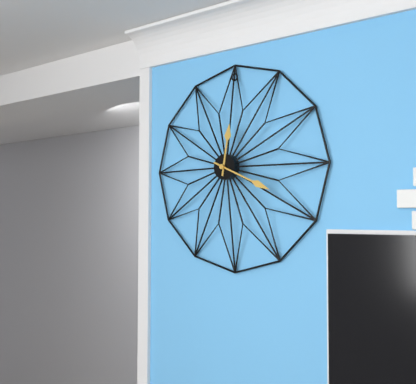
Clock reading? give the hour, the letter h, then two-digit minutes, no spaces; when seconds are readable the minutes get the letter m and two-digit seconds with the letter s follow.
12h19
